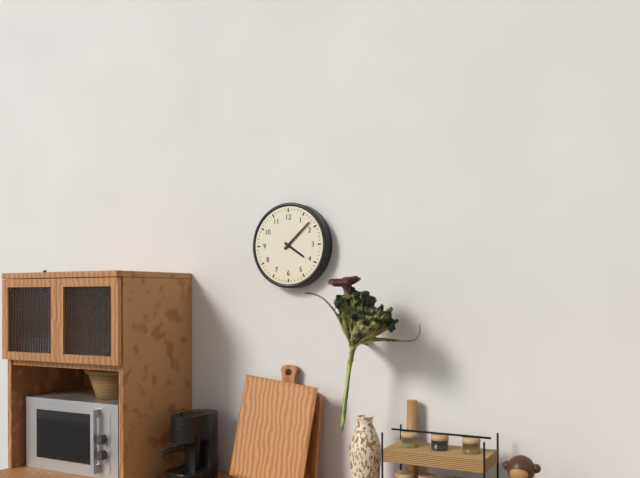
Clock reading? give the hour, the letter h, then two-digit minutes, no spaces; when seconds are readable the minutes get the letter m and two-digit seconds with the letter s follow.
4h08
